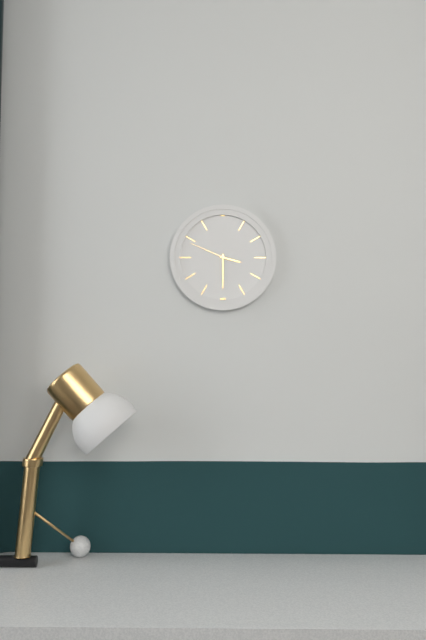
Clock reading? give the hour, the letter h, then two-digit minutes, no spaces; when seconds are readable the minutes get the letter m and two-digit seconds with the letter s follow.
3h30
